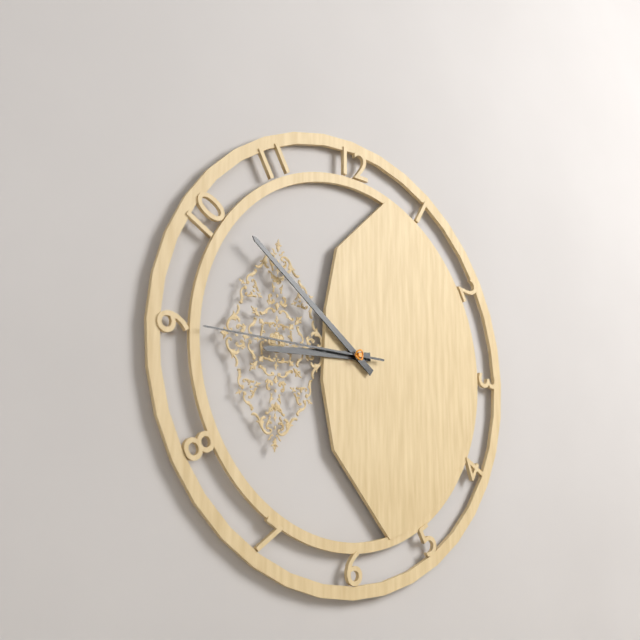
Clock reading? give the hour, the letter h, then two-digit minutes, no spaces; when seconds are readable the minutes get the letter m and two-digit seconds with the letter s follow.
8h51m45s
